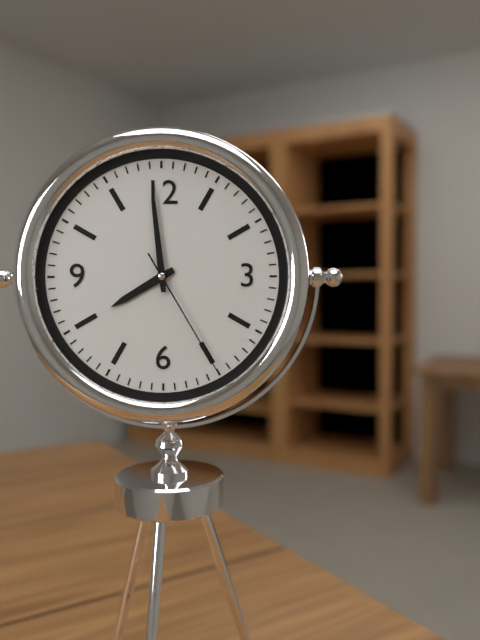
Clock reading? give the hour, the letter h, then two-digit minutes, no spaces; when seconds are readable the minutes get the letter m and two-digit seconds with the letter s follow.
7h59m25s
